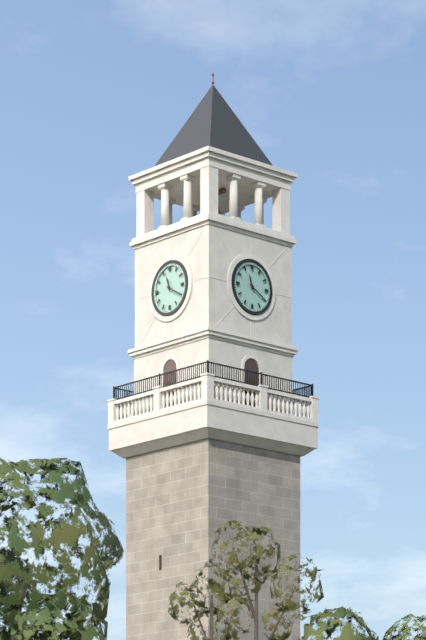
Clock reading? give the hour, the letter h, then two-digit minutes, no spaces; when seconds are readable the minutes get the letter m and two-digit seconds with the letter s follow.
11h20
